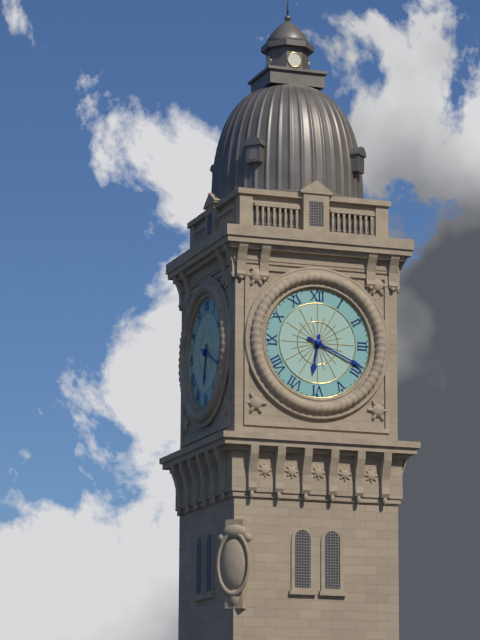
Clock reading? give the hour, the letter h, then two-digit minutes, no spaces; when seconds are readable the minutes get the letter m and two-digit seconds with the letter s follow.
6h19
